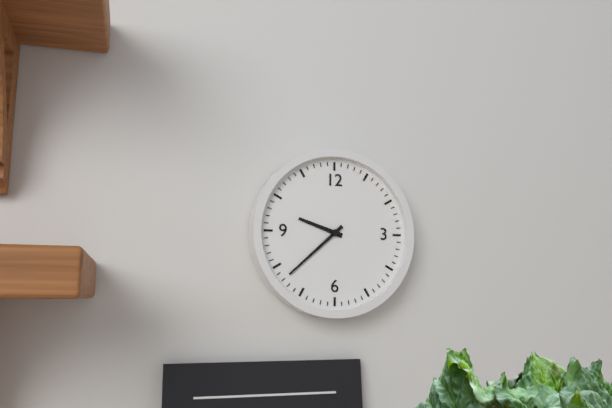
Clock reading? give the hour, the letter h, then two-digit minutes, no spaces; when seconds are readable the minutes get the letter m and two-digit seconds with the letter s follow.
9h38
